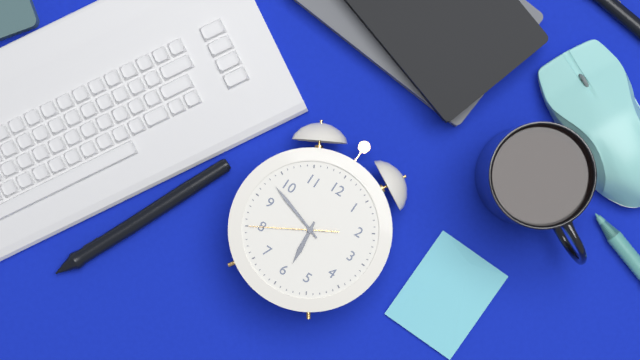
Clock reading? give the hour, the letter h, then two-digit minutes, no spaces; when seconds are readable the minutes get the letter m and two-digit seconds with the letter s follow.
5h48m40s
